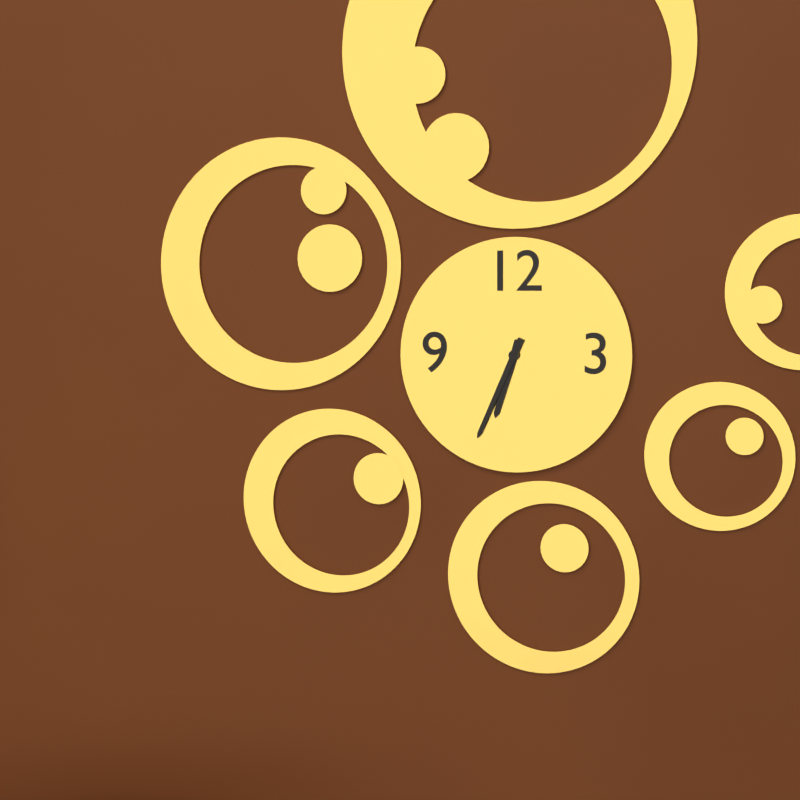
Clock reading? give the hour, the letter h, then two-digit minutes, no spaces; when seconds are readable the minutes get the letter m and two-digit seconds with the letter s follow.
6h34
